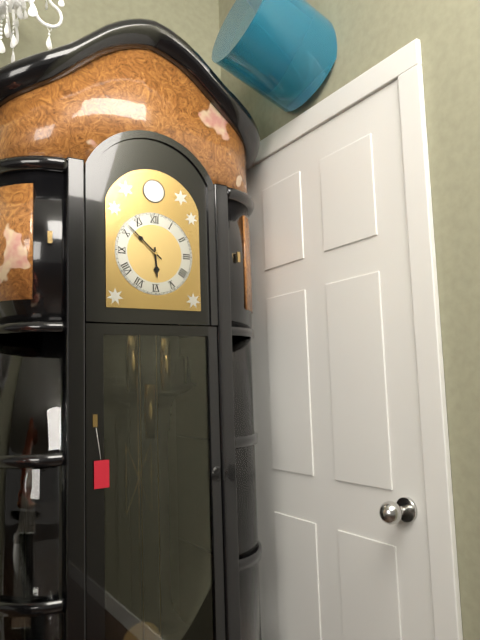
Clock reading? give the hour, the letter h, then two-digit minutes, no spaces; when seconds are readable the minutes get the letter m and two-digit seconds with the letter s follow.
5h52
